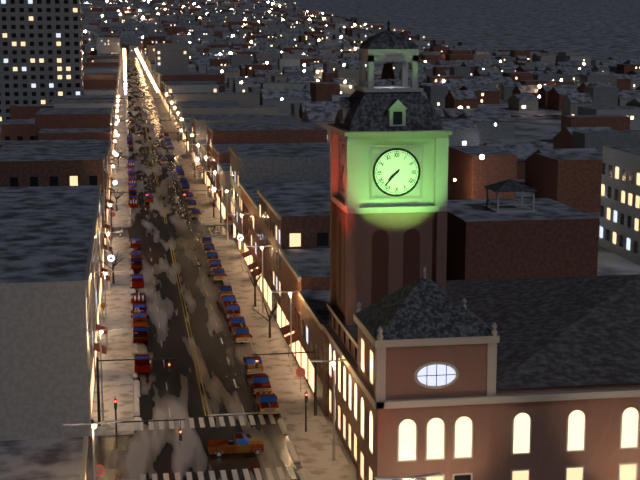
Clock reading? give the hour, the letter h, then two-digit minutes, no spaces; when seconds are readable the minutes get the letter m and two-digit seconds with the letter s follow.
7h37
